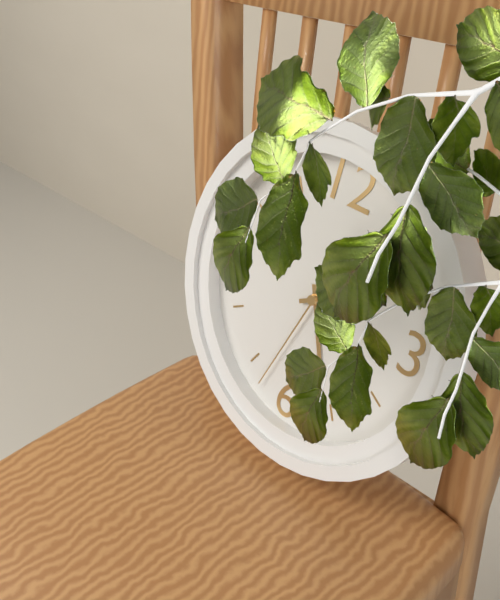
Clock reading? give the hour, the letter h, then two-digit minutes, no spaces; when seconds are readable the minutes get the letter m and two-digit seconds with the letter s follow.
5h10m33s
